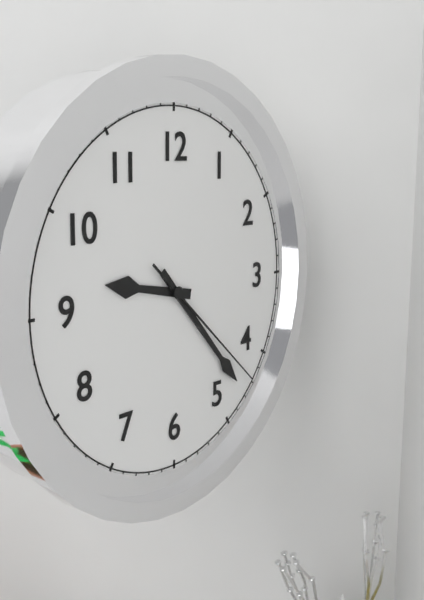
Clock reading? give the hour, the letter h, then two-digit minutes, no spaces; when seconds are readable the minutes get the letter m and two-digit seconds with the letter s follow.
9h23m22s
